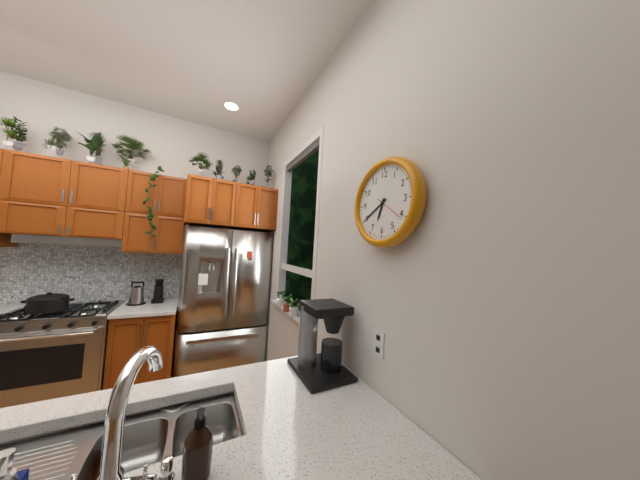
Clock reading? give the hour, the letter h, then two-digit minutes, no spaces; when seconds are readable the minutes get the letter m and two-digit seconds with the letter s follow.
6h40
